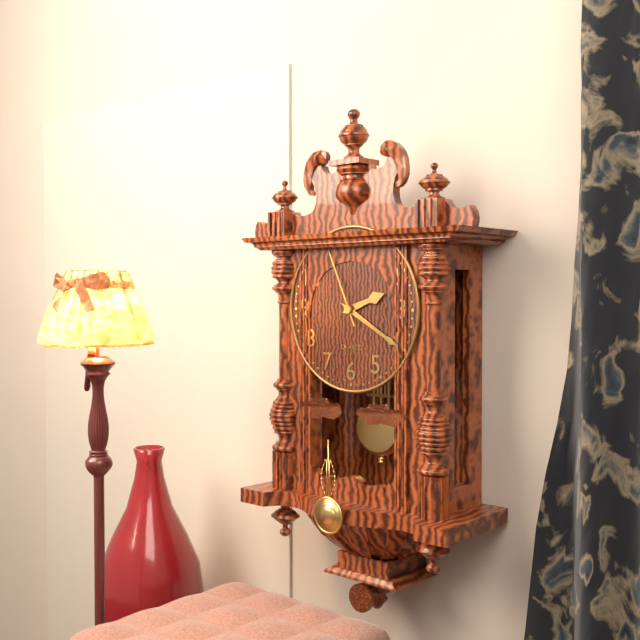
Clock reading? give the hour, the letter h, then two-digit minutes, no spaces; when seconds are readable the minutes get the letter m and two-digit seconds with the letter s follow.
2h20m56s
